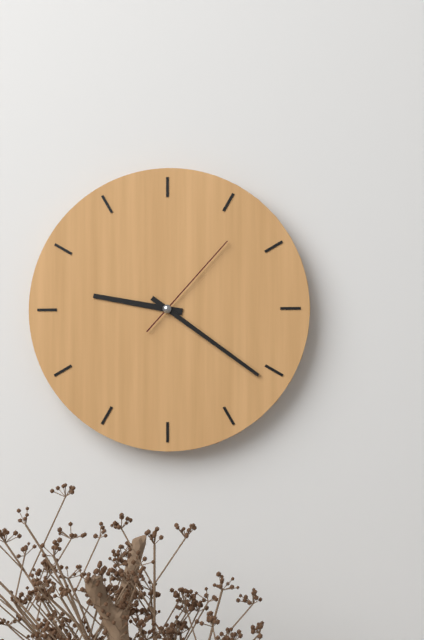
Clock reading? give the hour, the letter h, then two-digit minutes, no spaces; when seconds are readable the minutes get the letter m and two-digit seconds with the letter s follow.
9h21m07s
